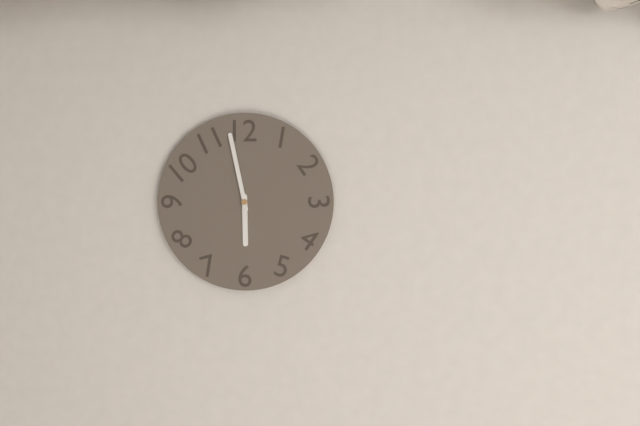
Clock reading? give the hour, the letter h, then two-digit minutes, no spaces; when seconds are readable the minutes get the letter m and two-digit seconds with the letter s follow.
5h58
